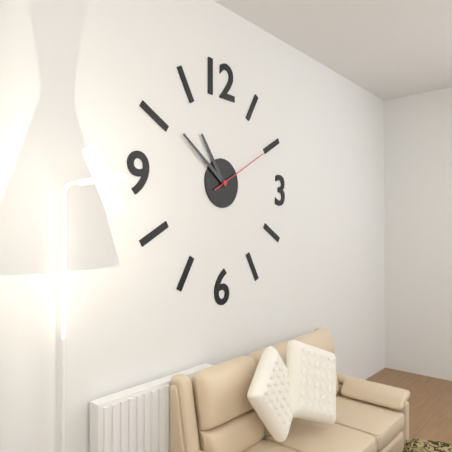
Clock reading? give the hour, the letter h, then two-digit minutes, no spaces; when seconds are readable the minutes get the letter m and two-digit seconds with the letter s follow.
10h51m10s
